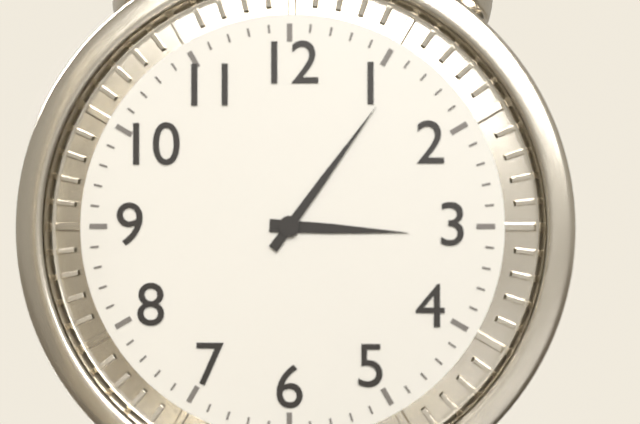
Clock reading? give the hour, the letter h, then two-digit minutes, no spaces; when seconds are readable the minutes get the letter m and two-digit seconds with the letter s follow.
3h06
